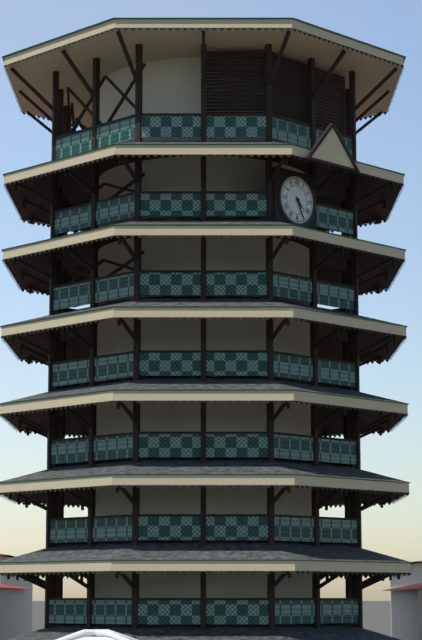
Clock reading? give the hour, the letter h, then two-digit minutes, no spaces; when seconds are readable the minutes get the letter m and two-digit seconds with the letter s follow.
4h26
